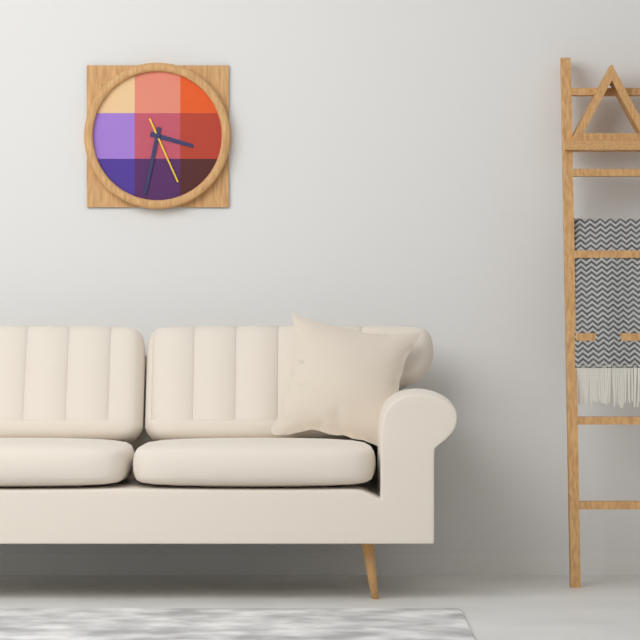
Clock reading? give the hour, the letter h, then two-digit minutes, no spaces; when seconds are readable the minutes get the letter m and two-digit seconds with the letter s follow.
3h32m26s
